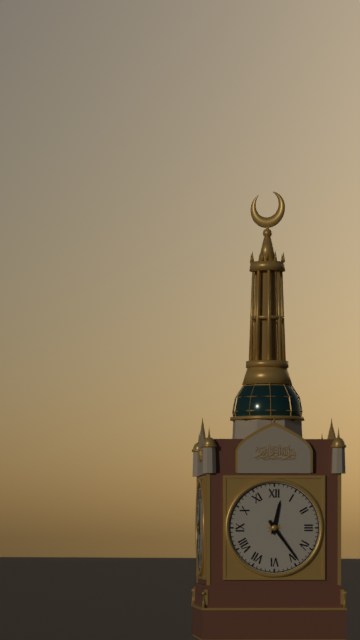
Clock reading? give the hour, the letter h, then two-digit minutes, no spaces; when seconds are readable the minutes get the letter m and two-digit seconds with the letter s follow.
12h24
